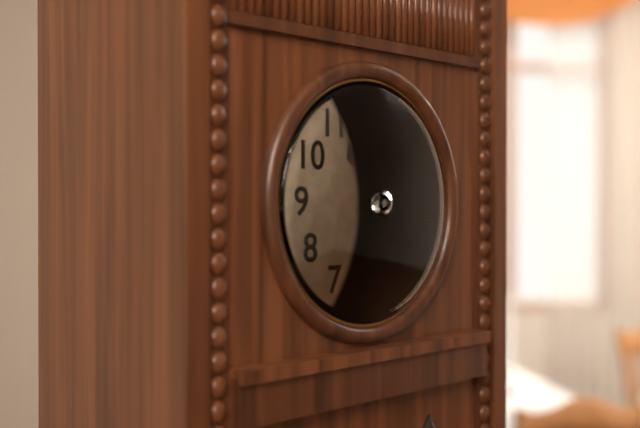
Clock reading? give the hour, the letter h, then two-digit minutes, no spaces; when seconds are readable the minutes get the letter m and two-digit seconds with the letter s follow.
11h11
